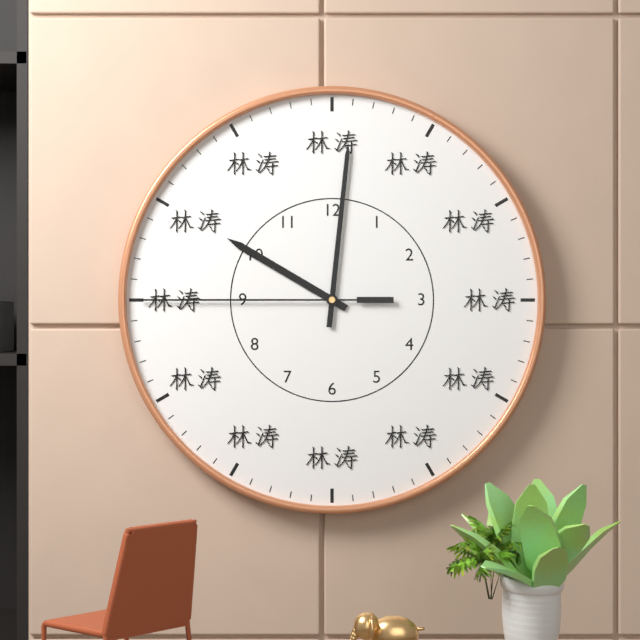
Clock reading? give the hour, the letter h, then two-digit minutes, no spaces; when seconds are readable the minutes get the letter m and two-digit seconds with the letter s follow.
10h01m45s
